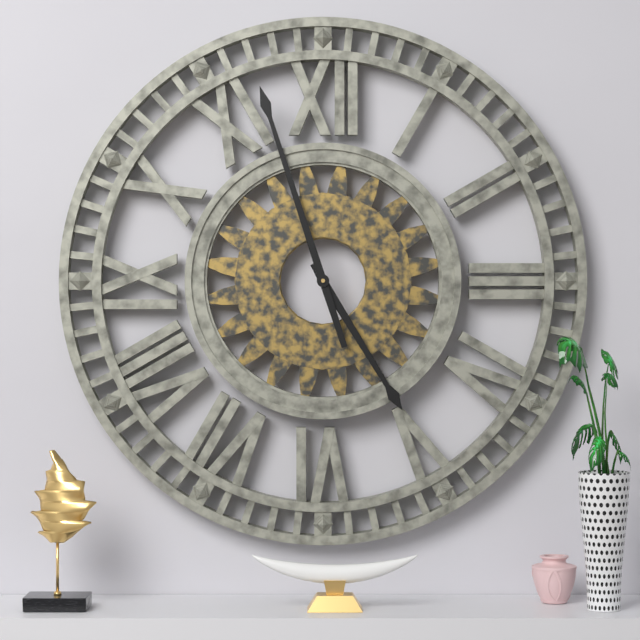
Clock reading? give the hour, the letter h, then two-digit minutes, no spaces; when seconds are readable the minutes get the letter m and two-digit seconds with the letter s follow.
4h57
